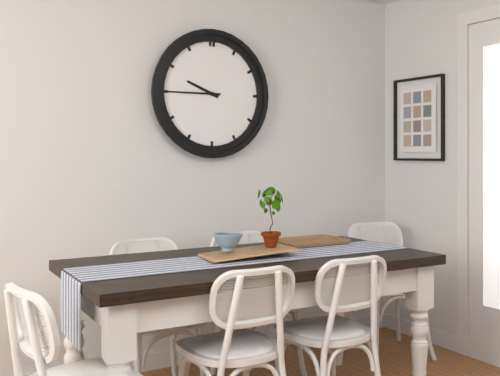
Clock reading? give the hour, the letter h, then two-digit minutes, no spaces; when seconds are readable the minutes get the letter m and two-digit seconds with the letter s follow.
9h45
